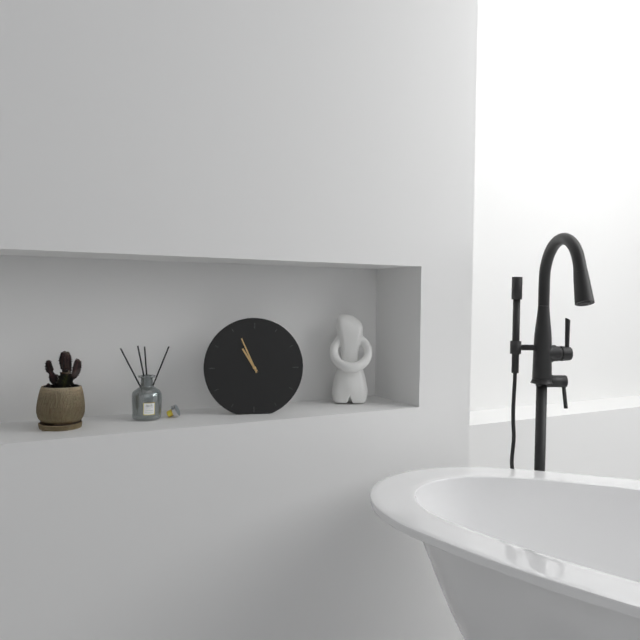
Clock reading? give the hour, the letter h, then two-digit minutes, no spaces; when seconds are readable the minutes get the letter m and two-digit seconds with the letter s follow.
10h56
